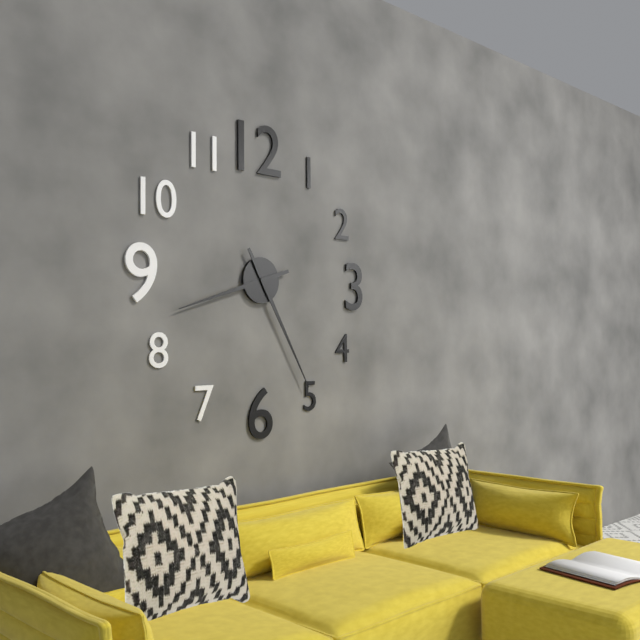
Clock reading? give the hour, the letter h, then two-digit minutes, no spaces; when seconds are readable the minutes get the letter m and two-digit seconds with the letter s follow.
8h25
